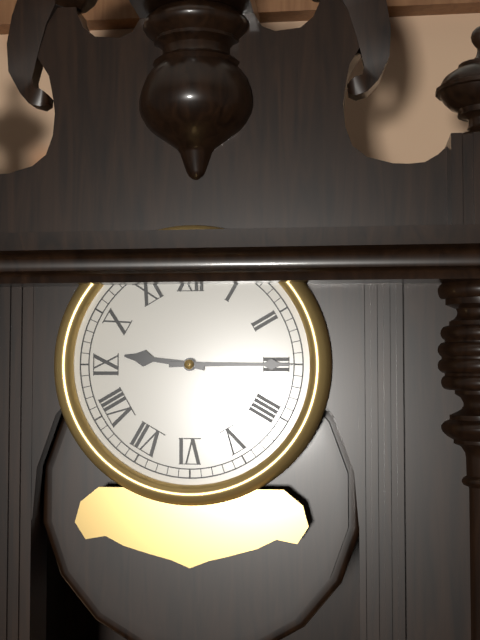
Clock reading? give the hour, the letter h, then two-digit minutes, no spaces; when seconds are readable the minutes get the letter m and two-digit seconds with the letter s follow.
9h15
